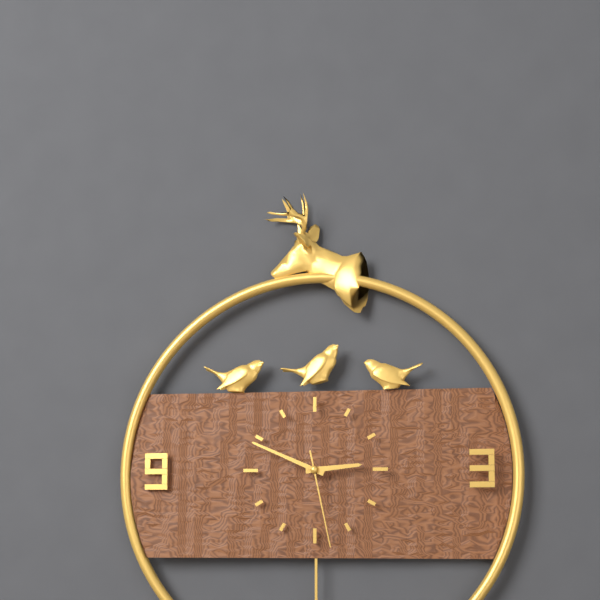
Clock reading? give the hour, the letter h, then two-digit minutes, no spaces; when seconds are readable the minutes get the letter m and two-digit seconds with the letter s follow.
2h49m28s
